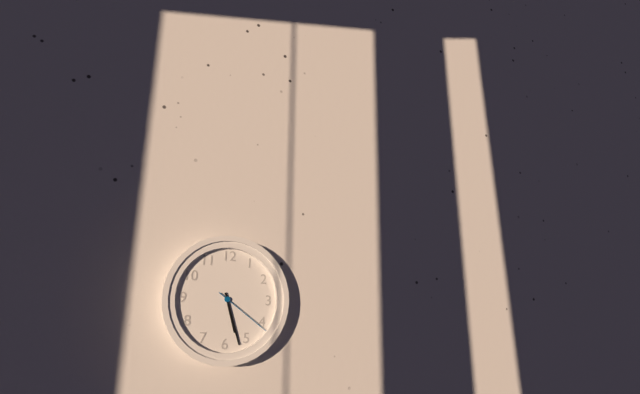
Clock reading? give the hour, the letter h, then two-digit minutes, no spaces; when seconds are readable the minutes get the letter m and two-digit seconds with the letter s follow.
5h27m21s
